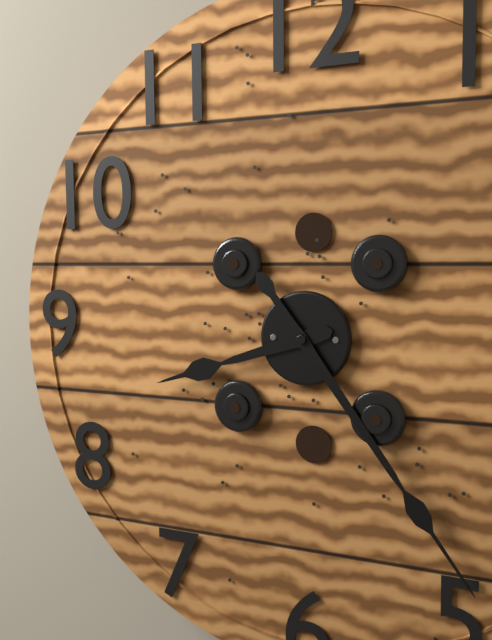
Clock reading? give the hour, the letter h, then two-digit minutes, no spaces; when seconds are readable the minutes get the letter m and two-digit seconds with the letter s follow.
8h24
